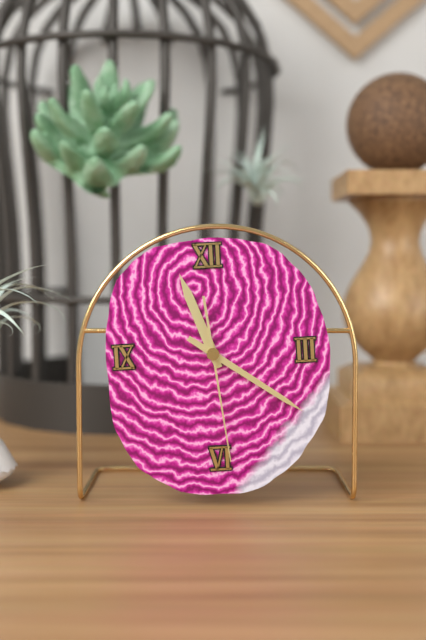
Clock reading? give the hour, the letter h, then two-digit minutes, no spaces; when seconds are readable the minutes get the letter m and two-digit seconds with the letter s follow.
11h21m29s
